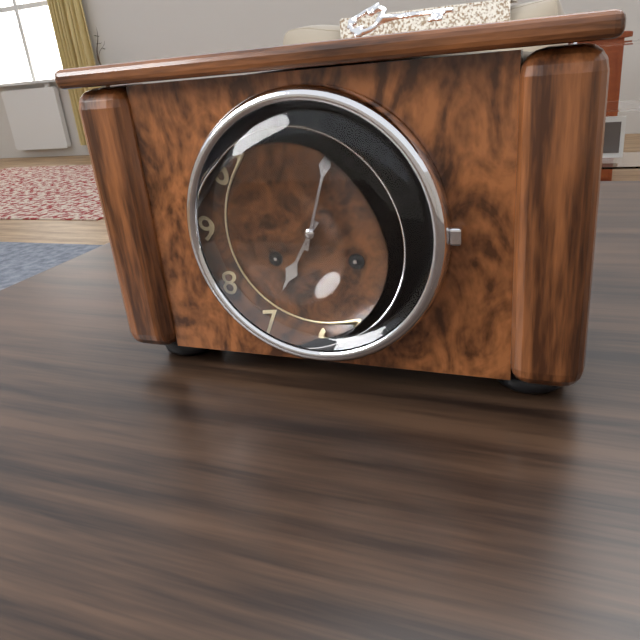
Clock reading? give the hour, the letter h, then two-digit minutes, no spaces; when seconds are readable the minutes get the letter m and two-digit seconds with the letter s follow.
7h03
